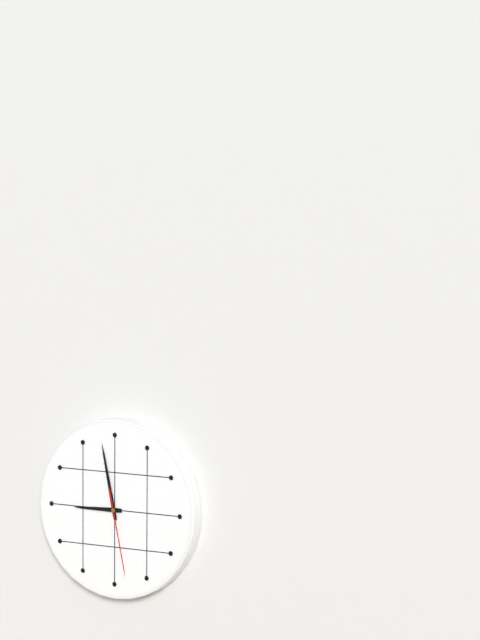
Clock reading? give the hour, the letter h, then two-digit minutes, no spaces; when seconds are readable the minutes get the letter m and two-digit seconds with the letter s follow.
8h58m28s
